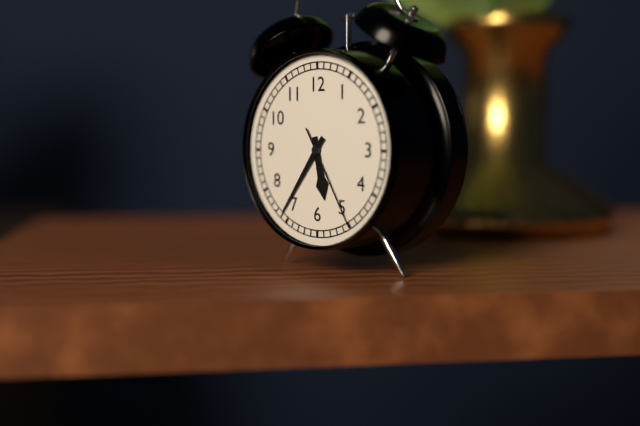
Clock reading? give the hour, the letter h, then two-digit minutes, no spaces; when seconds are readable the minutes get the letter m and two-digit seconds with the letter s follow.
5h36m25s
